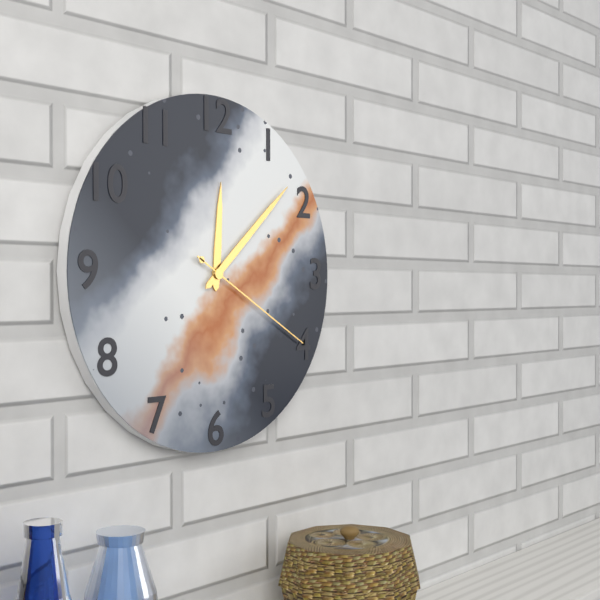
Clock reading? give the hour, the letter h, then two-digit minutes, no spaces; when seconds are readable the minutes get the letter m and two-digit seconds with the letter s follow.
12h08m20s
